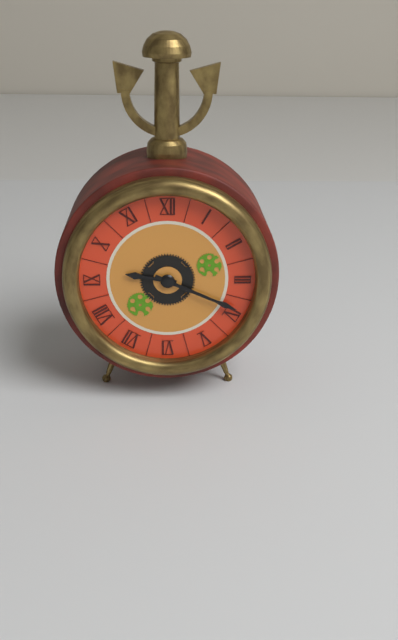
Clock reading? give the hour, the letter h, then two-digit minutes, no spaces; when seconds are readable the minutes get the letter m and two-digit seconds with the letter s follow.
9h19
